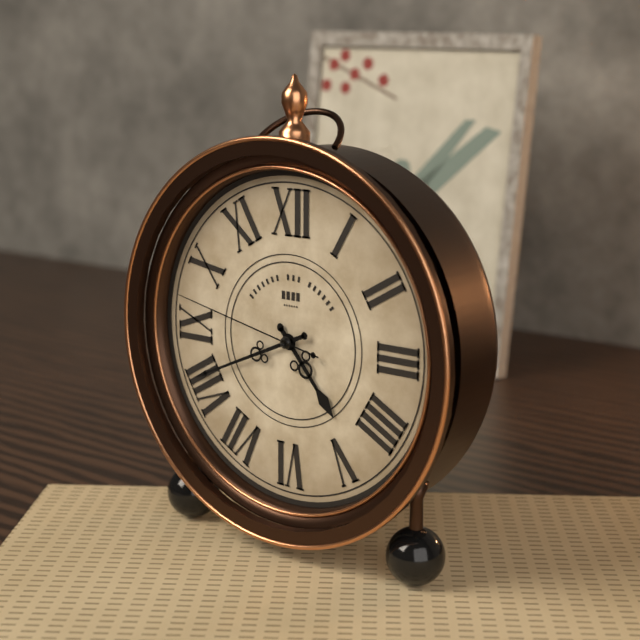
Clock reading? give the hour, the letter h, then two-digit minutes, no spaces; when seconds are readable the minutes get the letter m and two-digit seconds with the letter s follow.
4h41m47s
